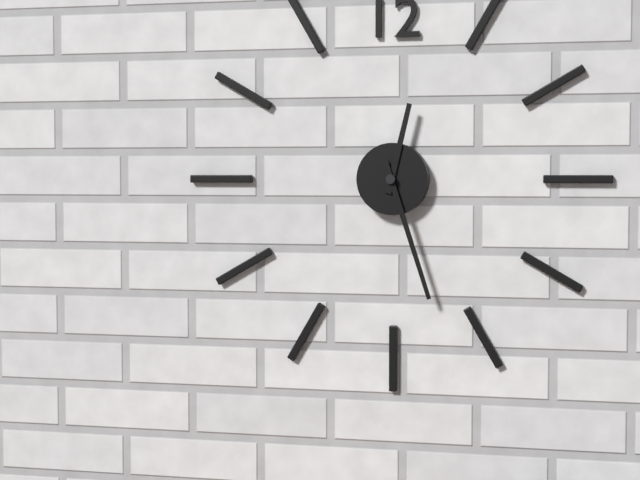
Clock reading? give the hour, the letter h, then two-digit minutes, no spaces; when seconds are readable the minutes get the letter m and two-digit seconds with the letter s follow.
12h27
